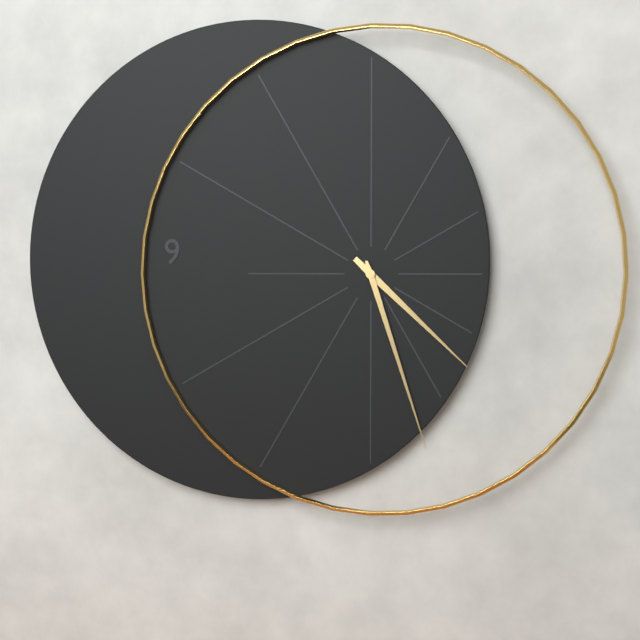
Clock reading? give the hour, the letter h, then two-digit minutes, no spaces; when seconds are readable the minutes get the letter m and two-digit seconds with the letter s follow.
4h27
